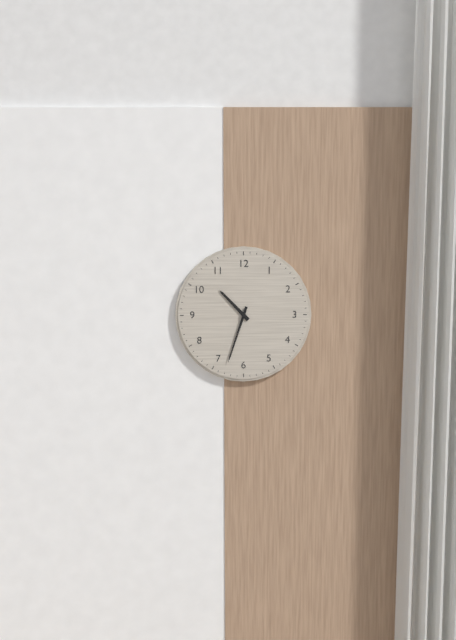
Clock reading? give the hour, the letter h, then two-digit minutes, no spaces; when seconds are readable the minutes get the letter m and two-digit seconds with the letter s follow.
10h33
